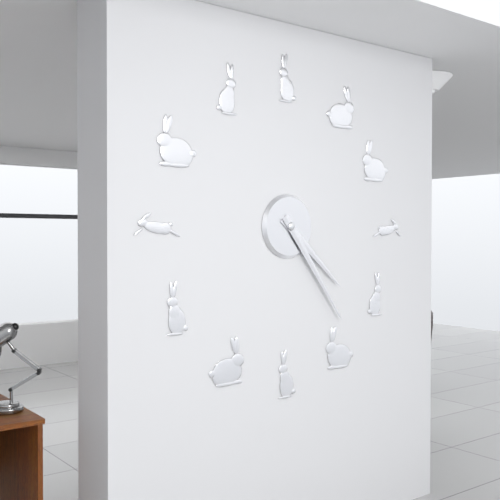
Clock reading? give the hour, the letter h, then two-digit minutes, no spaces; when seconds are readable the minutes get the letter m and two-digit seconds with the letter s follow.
4h24
